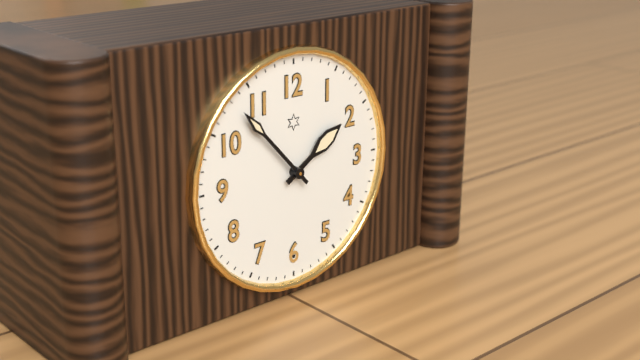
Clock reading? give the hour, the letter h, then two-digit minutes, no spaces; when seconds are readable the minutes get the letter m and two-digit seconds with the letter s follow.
1h53
